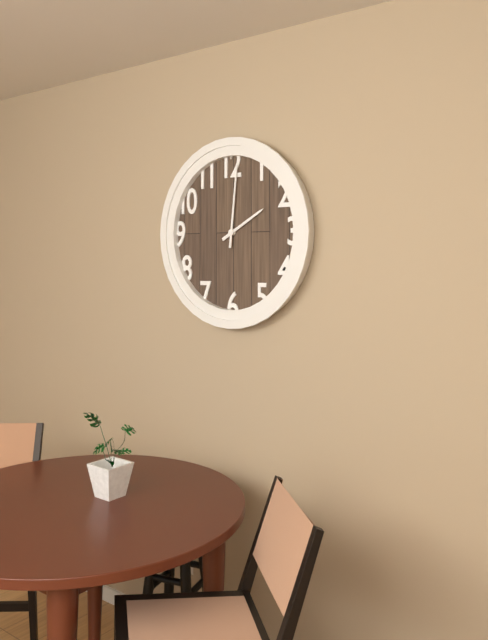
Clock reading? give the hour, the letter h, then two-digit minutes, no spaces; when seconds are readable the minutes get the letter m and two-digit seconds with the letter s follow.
2h01
